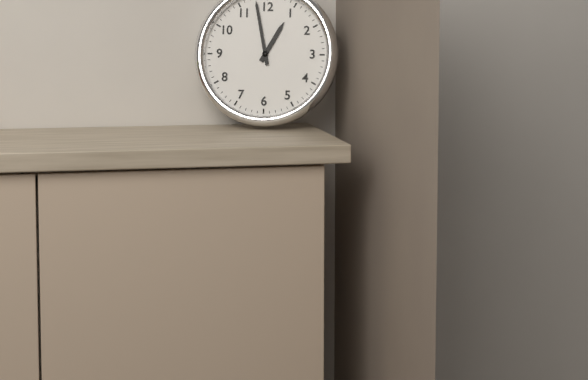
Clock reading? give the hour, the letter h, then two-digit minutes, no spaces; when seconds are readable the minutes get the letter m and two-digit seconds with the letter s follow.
12h58
